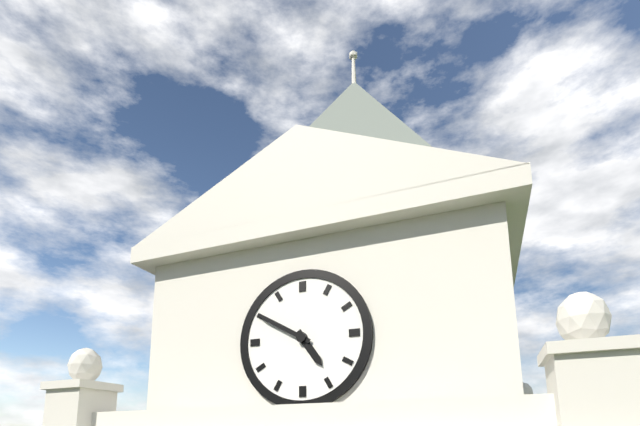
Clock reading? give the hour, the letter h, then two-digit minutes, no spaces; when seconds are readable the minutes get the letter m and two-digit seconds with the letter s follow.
4h50
